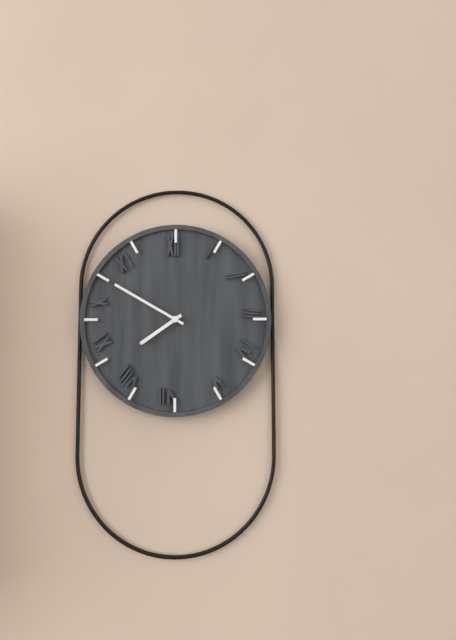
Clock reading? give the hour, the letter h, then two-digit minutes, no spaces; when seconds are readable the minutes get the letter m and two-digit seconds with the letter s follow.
7h50
